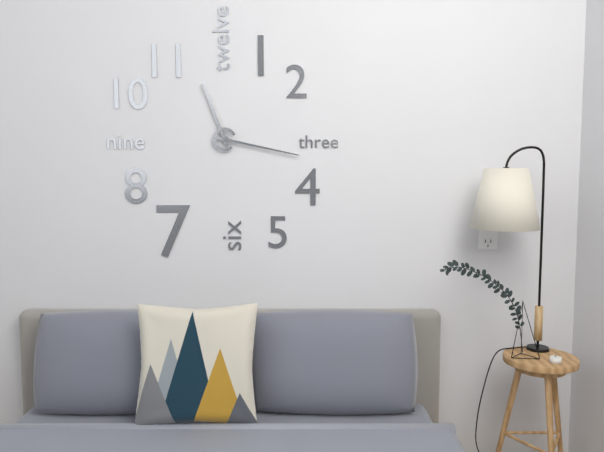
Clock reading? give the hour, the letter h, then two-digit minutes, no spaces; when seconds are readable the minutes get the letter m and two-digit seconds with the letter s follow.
11h17
